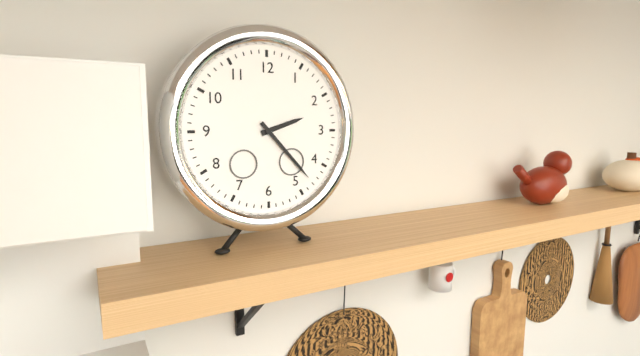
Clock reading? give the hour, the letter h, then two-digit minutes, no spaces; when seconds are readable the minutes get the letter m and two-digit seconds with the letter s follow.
2h23
